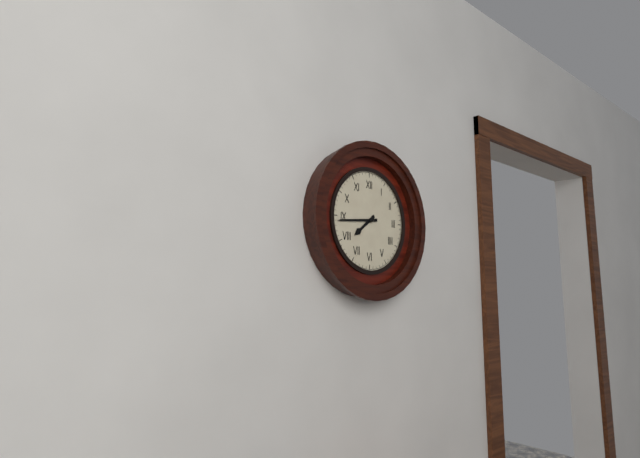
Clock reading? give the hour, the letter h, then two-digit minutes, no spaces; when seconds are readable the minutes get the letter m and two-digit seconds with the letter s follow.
7h44
